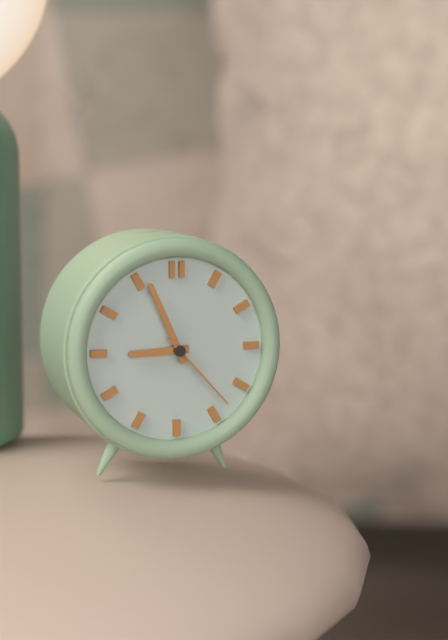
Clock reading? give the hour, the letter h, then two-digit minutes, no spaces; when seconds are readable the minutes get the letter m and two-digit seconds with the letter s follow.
8h56m23s
